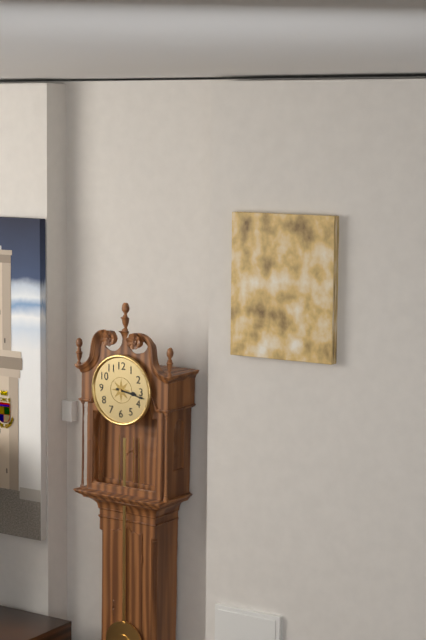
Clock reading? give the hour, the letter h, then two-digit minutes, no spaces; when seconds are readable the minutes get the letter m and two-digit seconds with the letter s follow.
3h17
